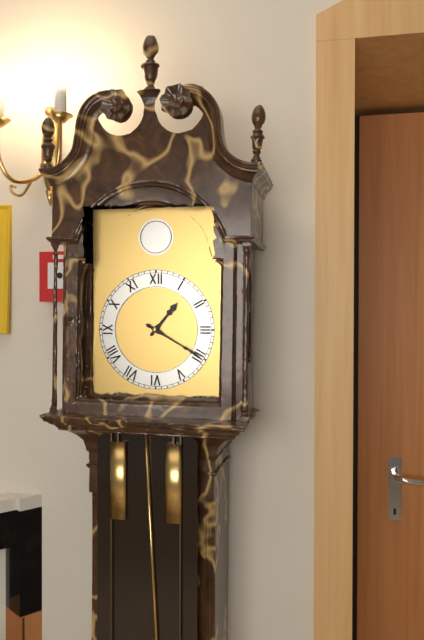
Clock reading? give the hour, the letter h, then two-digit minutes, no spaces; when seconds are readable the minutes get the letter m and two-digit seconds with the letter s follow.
1h20
